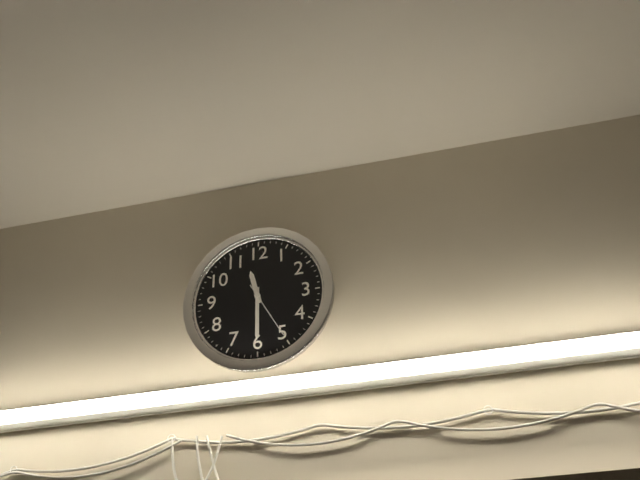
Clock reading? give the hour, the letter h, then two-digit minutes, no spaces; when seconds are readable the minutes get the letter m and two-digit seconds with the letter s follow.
11h30m25s
